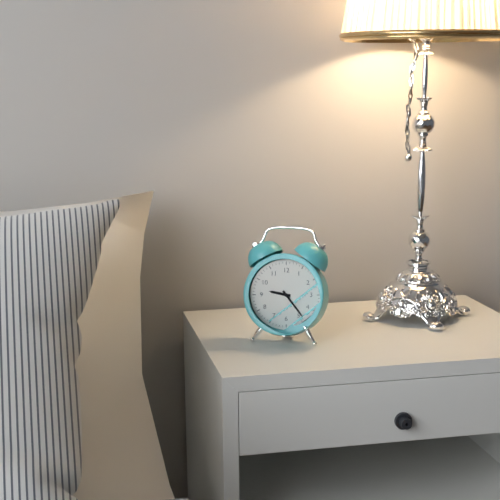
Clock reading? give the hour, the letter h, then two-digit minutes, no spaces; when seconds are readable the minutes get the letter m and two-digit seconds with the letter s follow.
9h24
